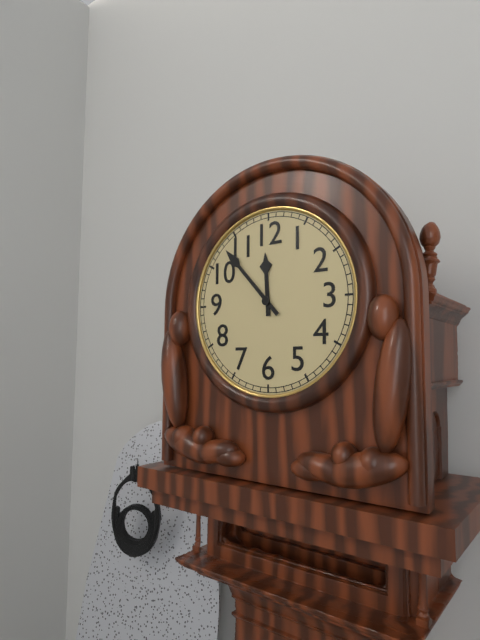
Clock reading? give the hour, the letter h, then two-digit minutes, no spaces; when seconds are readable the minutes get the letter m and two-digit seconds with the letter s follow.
11h53
